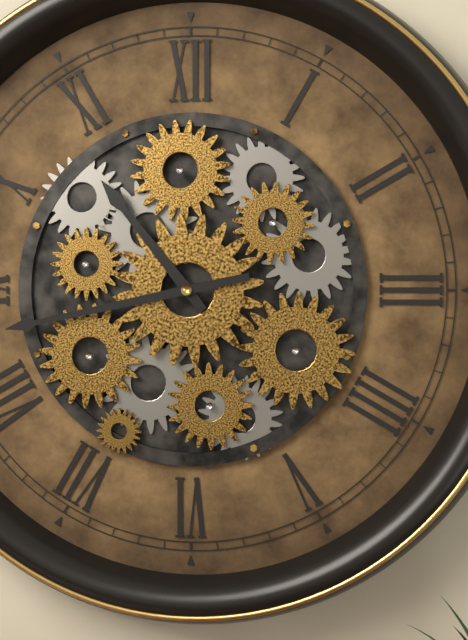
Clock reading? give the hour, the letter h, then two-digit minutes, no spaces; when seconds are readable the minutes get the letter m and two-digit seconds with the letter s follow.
10h43
